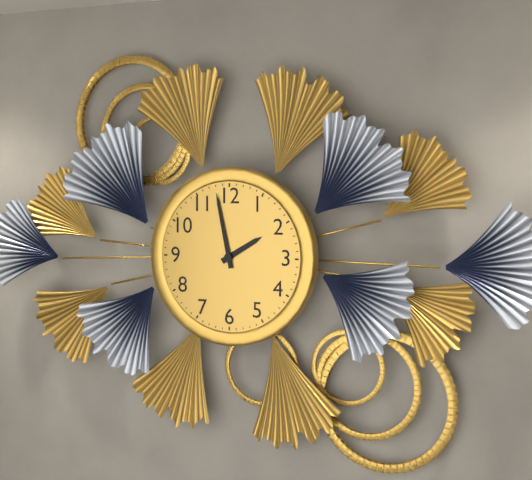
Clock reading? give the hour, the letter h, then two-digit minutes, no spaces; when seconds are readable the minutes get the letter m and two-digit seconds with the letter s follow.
1h58
